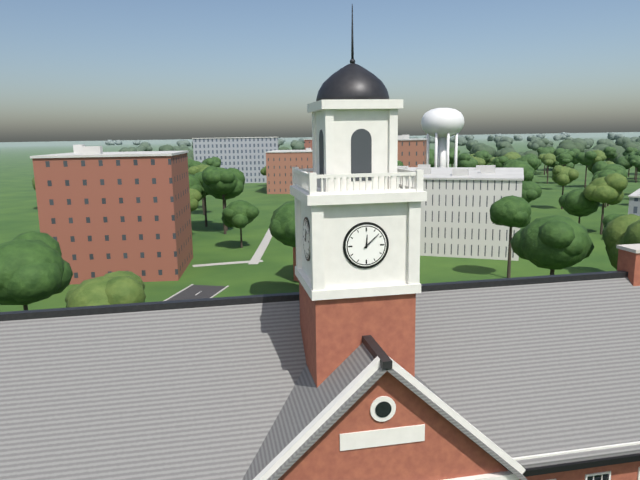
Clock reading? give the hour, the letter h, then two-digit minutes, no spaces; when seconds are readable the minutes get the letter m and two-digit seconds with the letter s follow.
12h08
